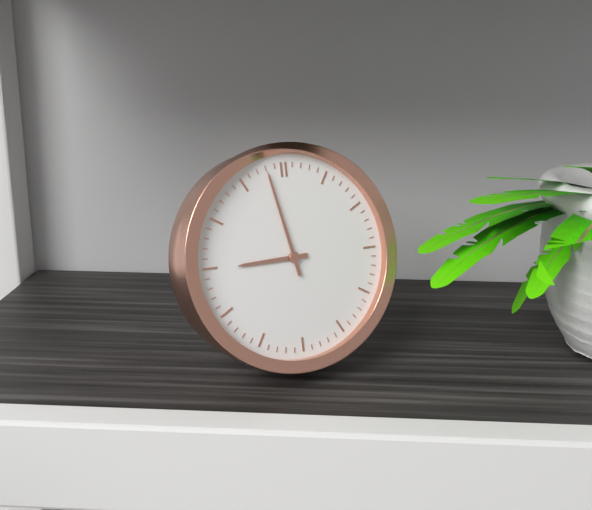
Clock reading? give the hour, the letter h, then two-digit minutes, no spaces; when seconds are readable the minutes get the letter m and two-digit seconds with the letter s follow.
8h58
